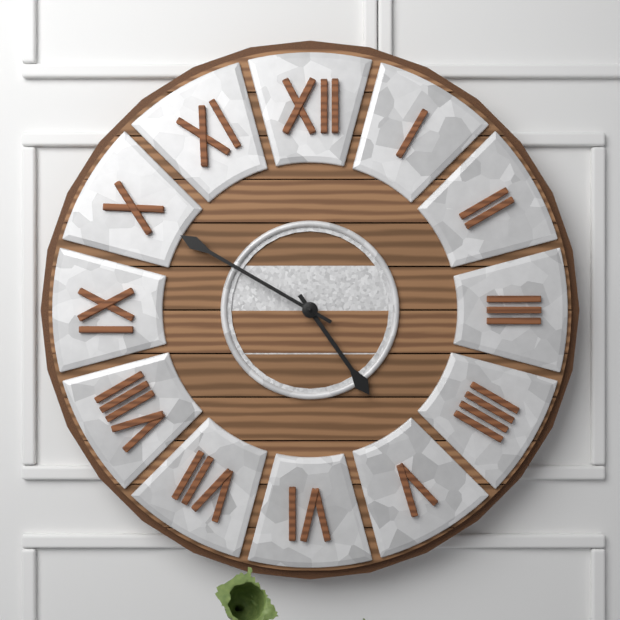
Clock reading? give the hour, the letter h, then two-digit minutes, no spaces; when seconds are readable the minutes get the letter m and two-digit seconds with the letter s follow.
4h50
